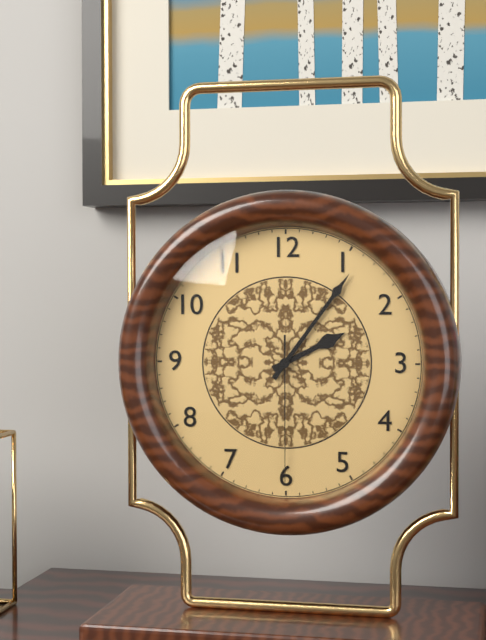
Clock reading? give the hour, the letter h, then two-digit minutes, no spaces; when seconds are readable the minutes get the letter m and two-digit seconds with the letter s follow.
2h06m30s
